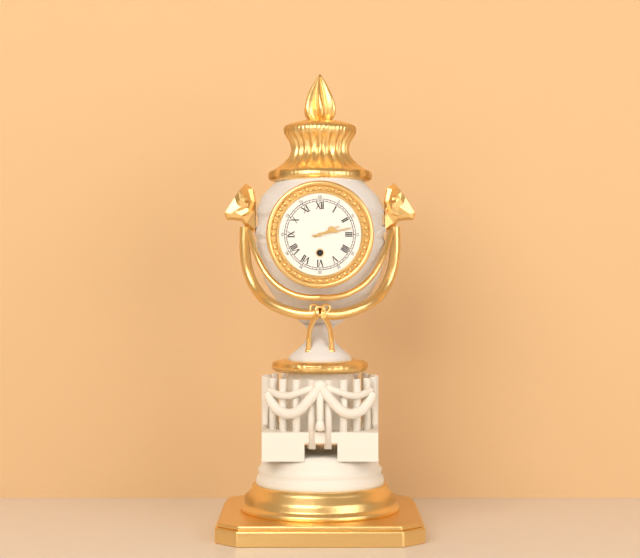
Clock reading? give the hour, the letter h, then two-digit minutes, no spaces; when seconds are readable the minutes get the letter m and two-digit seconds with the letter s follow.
2h13
